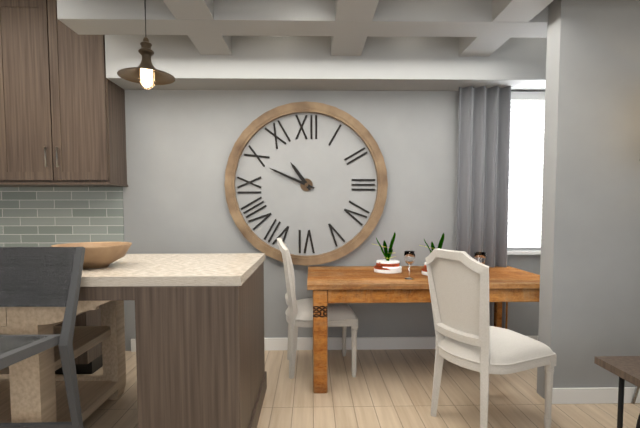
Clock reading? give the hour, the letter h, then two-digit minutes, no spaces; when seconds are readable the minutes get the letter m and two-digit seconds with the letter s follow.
10h49
